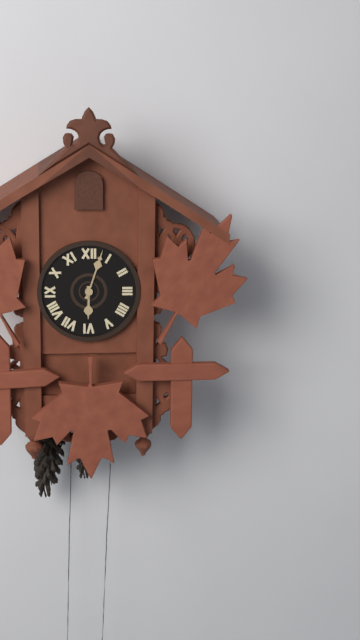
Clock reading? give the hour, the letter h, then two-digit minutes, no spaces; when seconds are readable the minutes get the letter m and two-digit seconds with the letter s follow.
6h03
